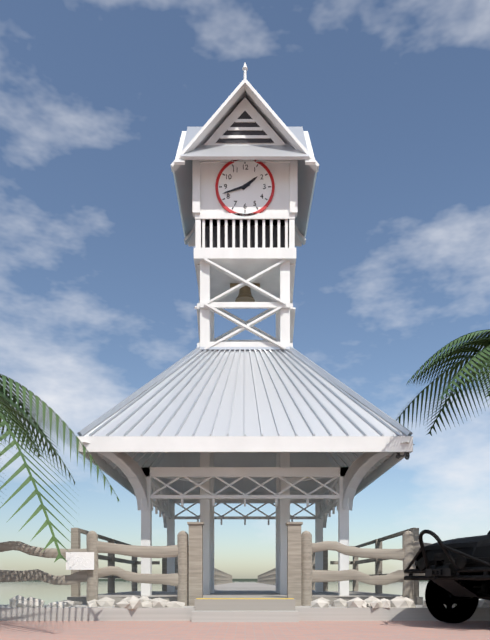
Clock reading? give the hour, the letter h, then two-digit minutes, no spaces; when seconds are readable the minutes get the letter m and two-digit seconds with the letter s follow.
1h42
